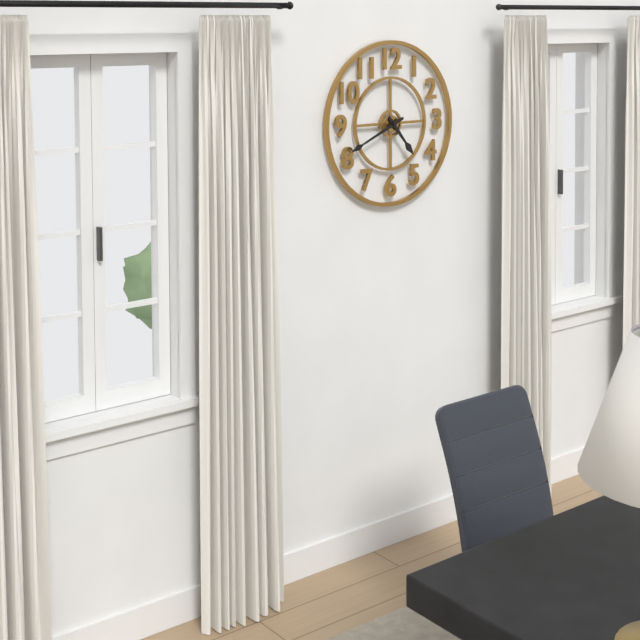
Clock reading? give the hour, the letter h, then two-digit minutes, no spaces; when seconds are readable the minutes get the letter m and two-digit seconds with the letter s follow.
4h41
